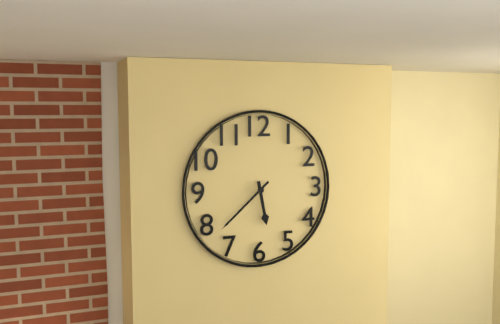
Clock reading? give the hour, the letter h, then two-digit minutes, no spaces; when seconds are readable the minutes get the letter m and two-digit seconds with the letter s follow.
5h38
